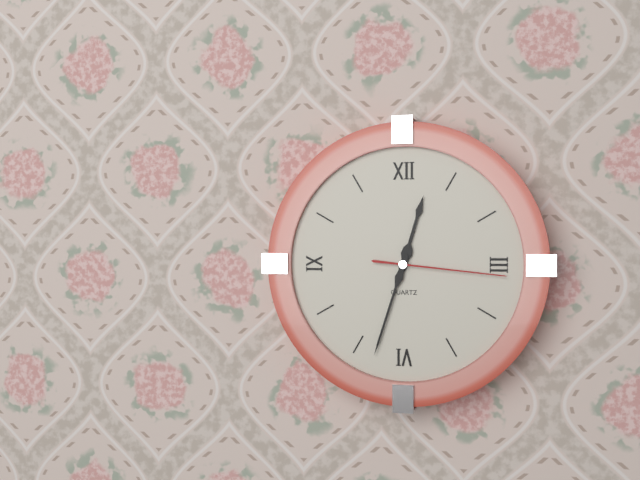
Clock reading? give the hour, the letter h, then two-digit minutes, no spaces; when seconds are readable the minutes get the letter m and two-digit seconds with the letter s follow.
12h33m16s
